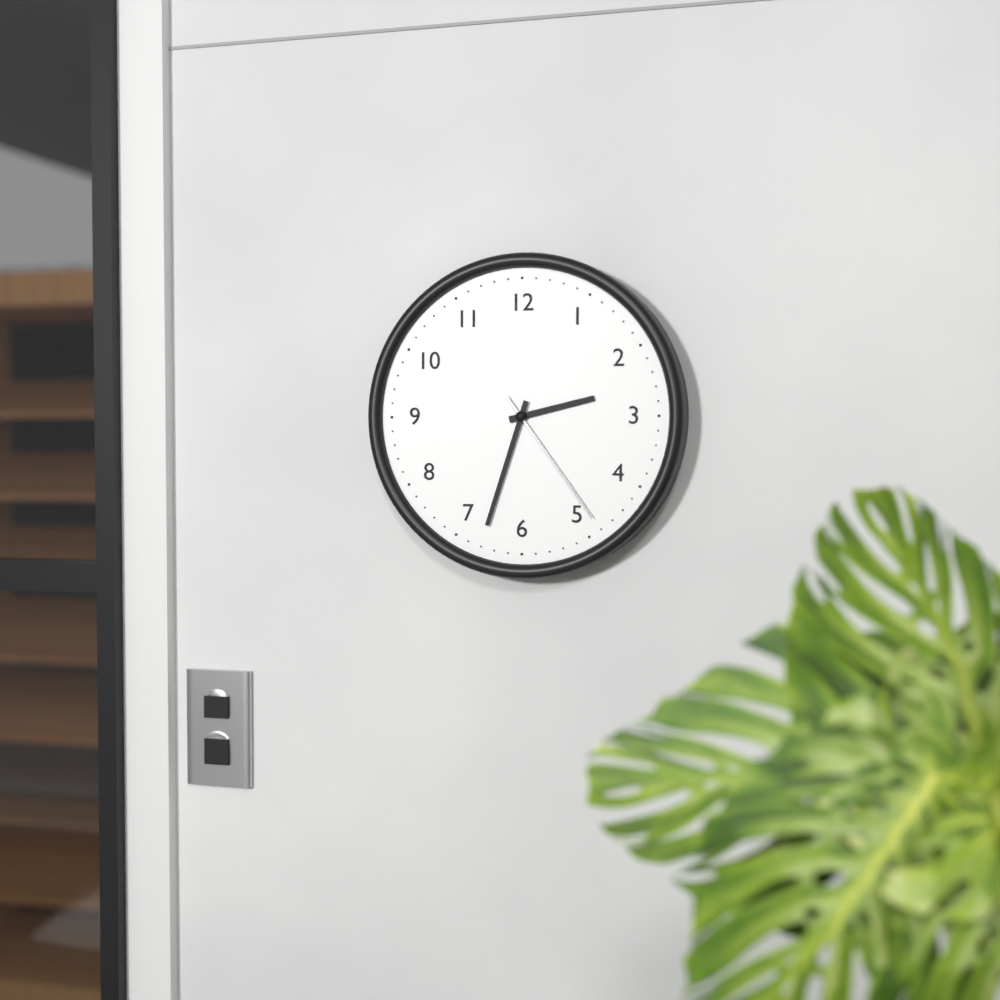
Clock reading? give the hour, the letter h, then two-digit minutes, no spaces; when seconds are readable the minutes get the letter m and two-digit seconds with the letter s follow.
2h33m24s
